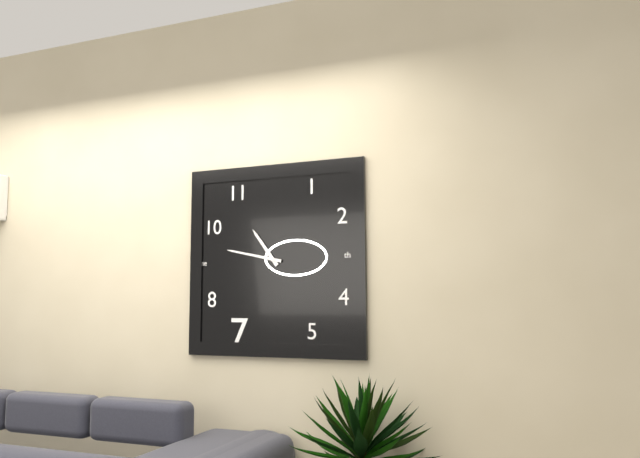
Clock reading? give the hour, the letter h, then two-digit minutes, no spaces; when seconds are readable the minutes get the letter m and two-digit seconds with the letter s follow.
10h47
